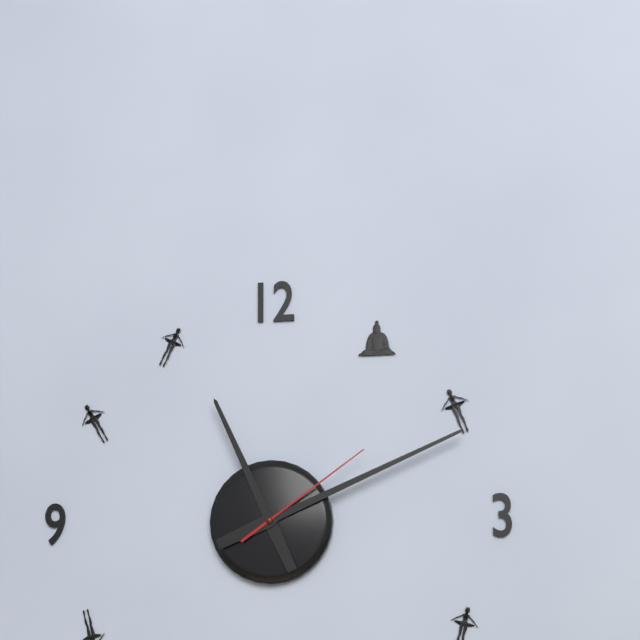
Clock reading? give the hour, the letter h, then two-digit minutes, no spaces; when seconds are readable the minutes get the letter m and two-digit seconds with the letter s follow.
11h11m09s
